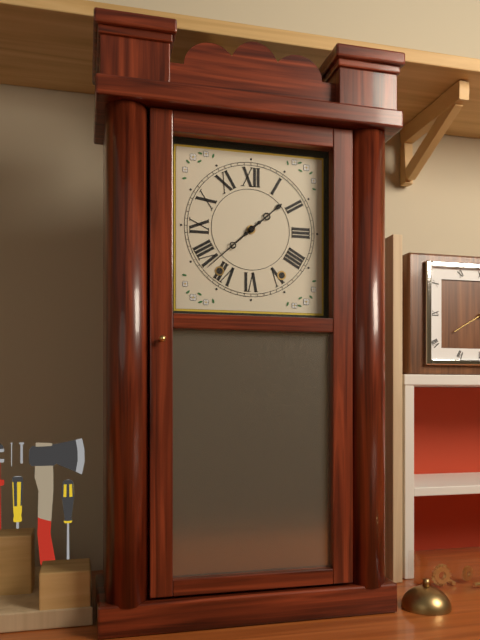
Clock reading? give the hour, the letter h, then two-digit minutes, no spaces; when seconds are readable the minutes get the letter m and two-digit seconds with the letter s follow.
1h38
